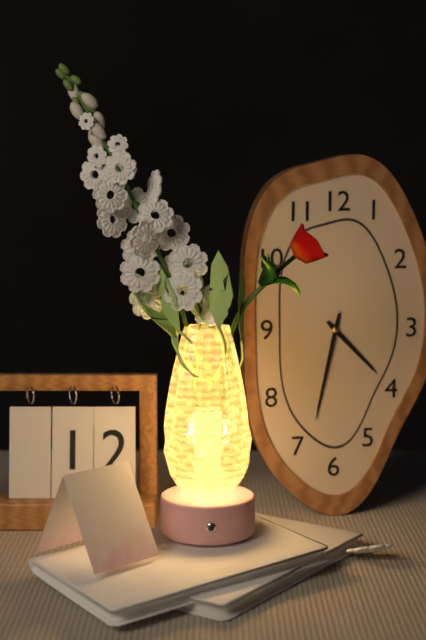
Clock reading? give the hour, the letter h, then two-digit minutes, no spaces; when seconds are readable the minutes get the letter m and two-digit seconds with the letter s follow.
4h32
